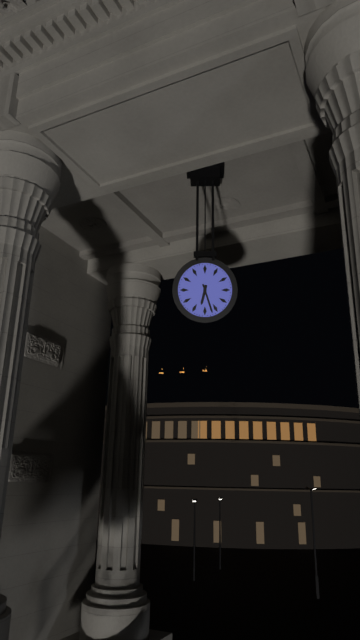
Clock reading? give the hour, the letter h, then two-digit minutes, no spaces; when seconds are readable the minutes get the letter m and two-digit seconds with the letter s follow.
6h27
